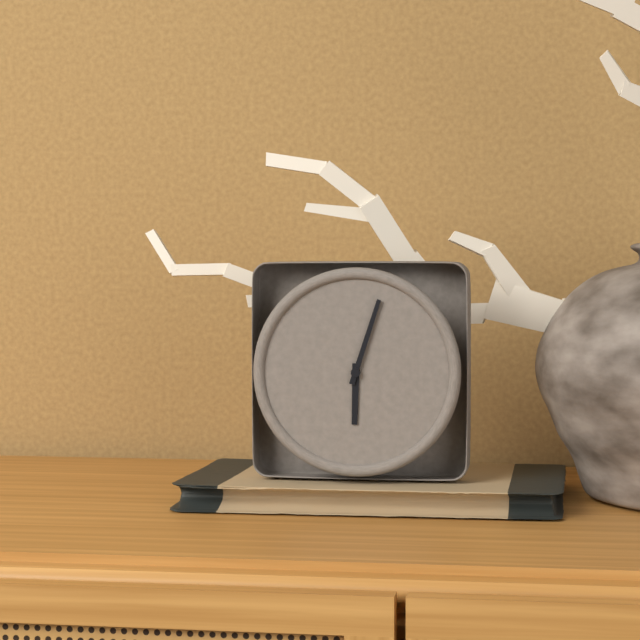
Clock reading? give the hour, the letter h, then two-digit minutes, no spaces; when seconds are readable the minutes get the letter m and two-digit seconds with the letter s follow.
6h03
